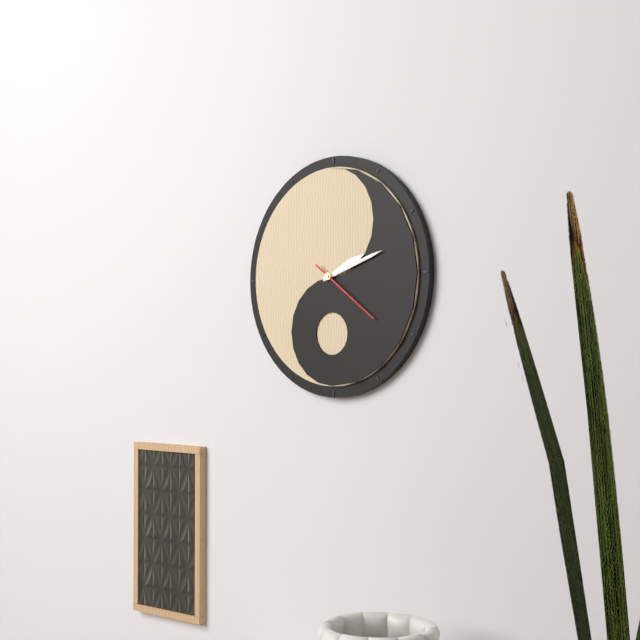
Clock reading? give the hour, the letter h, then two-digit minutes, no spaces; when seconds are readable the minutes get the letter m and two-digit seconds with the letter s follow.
2h12m21s
